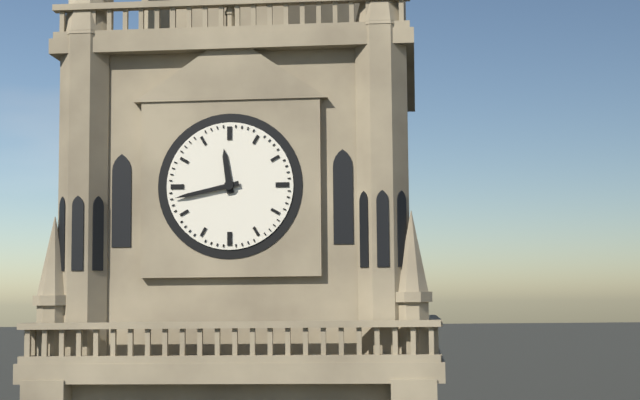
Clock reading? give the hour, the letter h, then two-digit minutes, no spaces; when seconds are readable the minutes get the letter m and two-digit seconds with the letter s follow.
11h43
